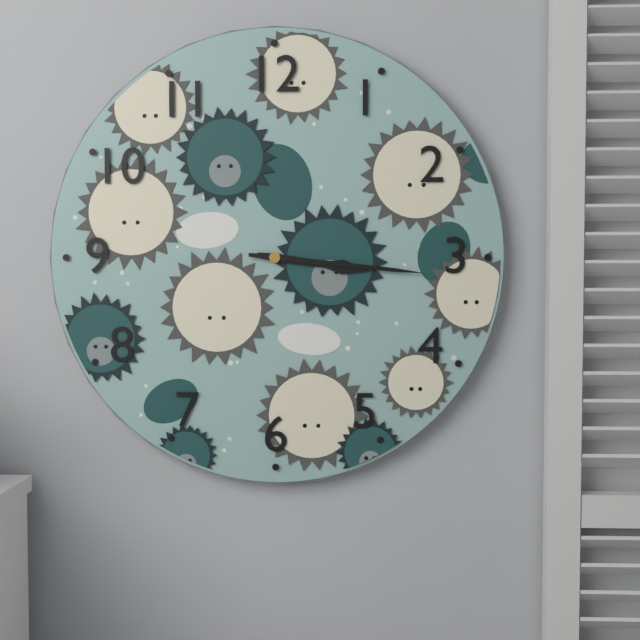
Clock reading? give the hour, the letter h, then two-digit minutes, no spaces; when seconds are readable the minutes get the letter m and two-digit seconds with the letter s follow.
3h16
